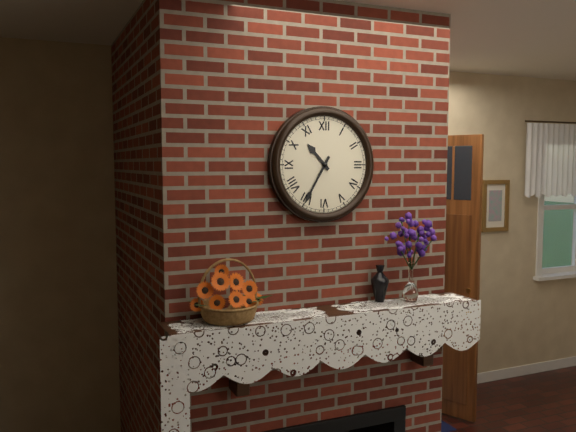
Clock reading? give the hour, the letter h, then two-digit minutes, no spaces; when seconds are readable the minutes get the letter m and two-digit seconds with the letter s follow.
10h35
